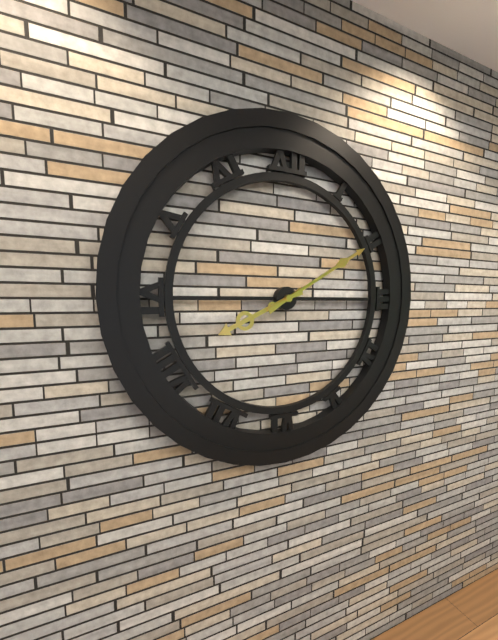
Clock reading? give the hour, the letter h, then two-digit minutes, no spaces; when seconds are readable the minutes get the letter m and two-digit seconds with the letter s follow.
8h10
